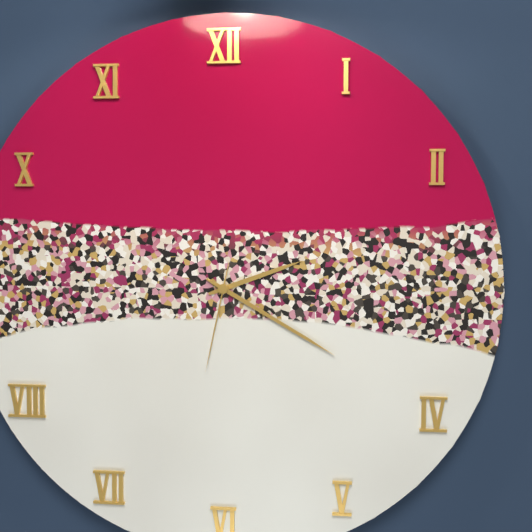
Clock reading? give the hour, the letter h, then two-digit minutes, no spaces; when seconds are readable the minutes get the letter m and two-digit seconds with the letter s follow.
2h20m32s
